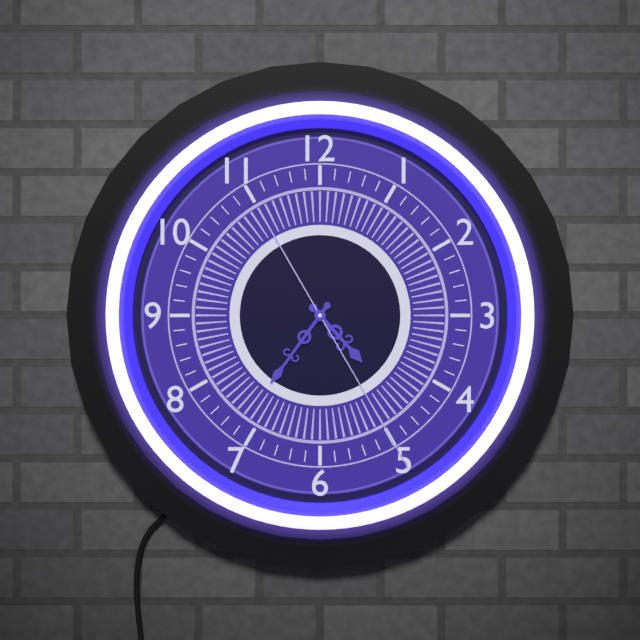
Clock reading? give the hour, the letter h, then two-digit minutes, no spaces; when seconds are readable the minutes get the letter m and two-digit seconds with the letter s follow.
4h36m25s
